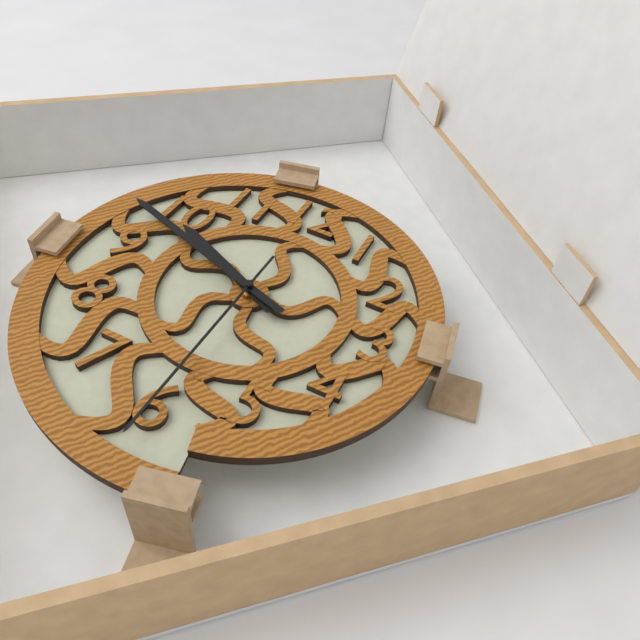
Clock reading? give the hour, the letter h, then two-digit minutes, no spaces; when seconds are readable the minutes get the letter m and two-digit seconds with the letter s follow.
9h48m30s
